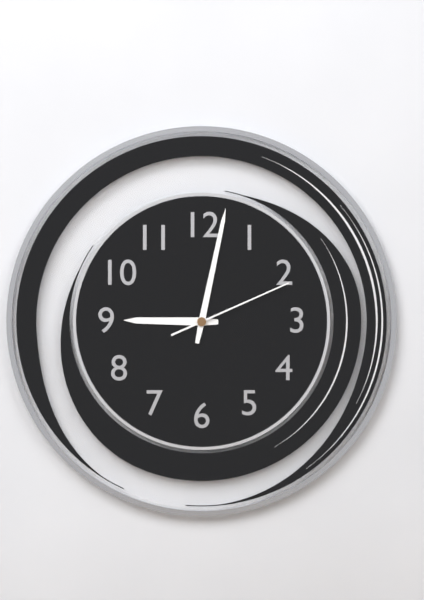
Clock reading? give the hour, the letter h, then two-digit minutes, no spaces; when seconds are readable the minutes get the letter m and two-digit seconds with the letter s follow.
9h02m11s
